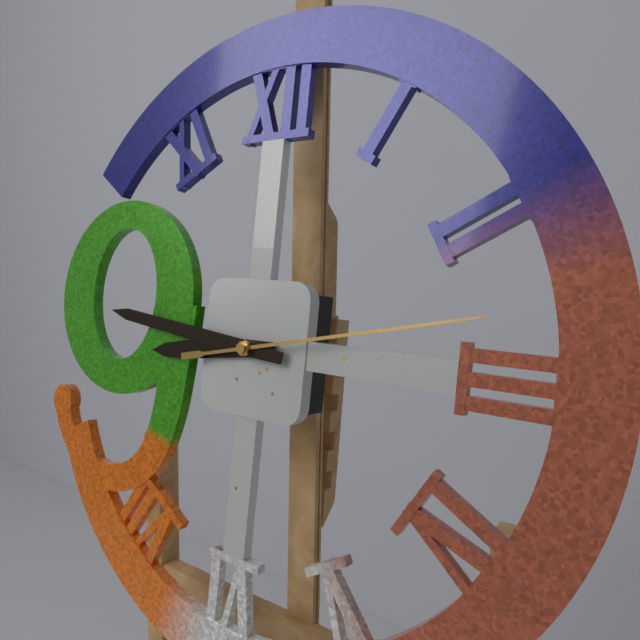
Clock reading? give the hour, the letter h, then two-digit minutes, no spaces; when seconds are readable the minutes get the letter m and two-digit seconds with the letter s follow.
8h46m13s
